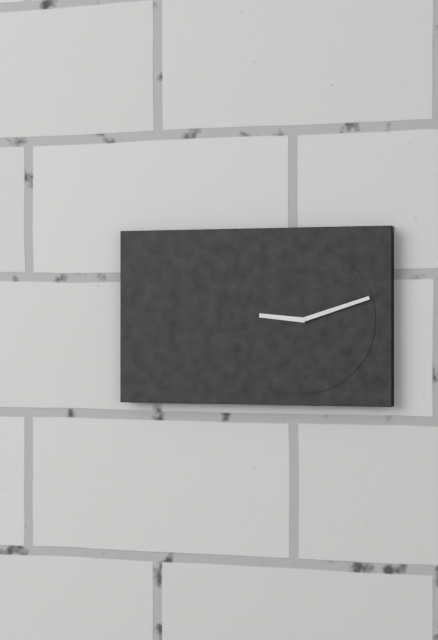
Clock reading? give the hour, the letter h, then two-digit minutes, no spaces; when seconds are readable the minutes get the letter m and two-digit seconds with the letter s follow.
9h12
